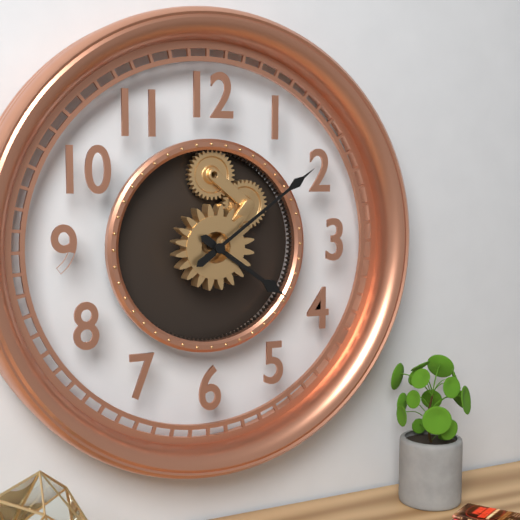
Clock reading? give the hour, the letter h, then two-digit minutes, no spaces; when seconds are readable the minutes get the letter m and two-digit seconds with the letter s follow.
4h09
